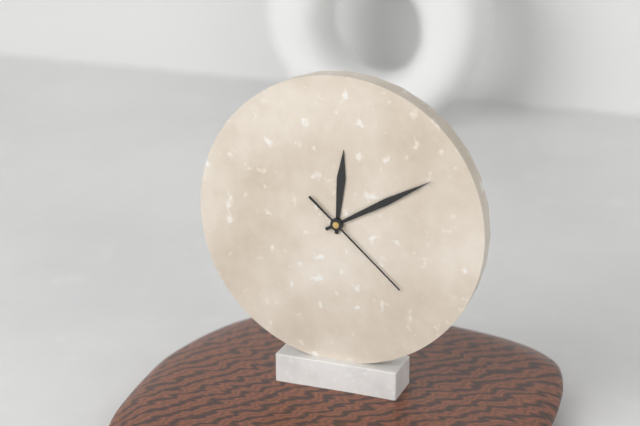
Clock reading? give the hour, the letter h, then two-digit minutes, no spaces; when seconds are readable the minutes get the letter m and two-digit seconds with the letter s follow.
12h10m22s
